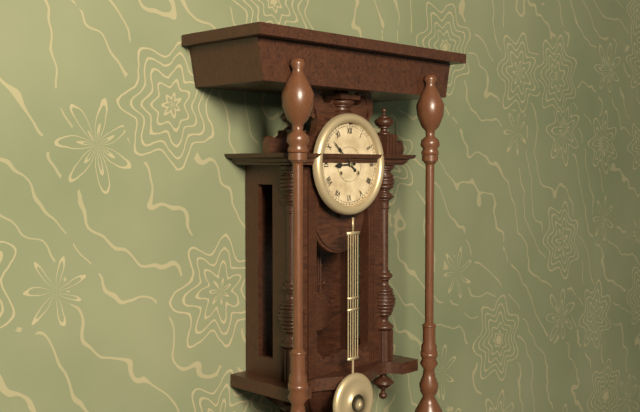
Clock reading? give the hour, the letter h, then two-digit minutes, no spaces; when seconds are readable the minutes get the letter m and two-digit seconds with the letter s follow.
8h52
